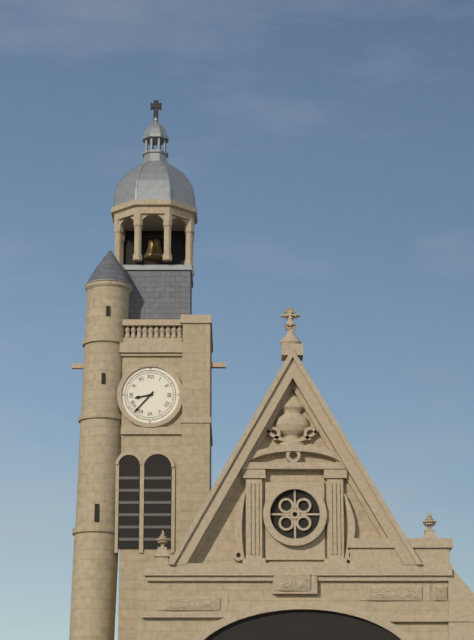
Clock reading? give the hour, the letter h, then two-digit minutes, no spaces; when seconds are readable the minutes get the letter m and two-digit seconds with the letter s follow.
8h37
